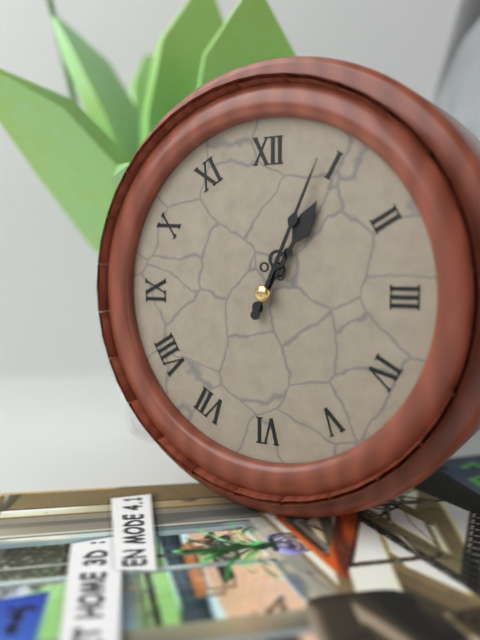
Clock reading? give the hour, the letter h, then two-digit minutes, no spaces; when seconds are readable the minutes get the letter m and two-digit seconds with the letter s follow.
1h04
